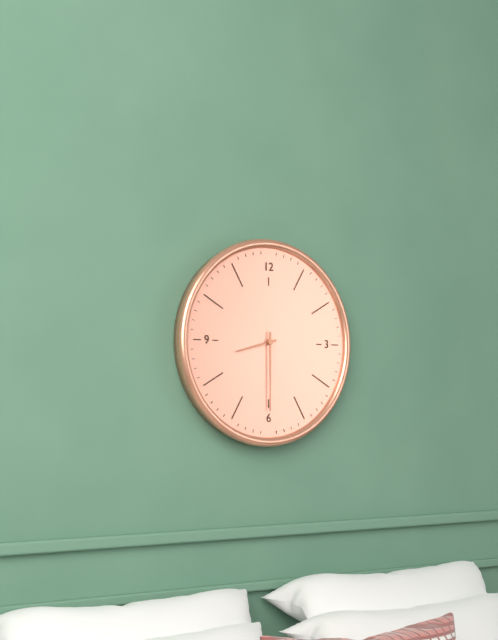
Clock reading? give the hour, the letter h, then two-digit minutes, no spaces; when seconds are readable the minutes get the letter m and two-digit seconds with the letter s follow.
8h30
